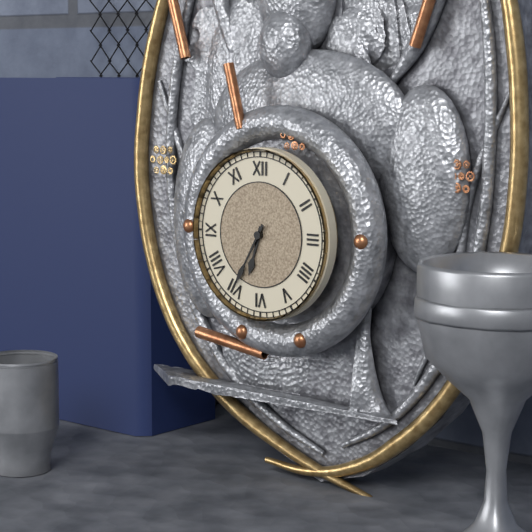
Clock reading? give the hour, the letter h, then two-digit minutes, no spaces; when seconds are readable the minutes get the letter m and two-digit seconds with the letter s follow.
6h35
